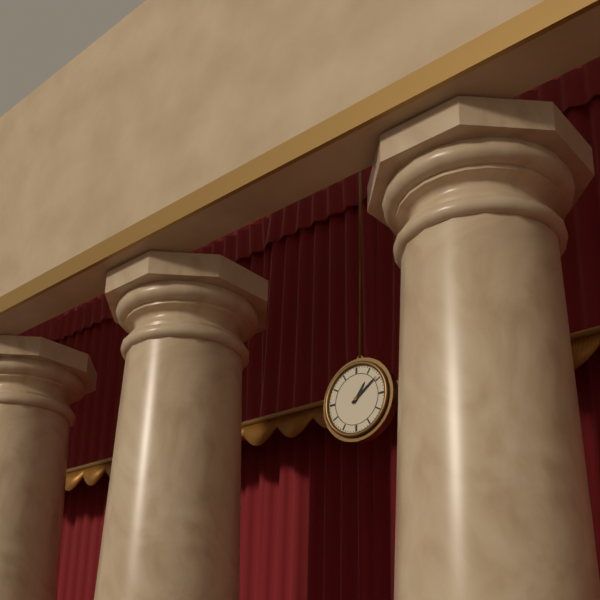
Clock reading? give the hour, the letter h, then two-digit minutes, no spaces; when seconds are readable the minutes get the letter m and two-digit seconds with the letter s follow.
1h09
